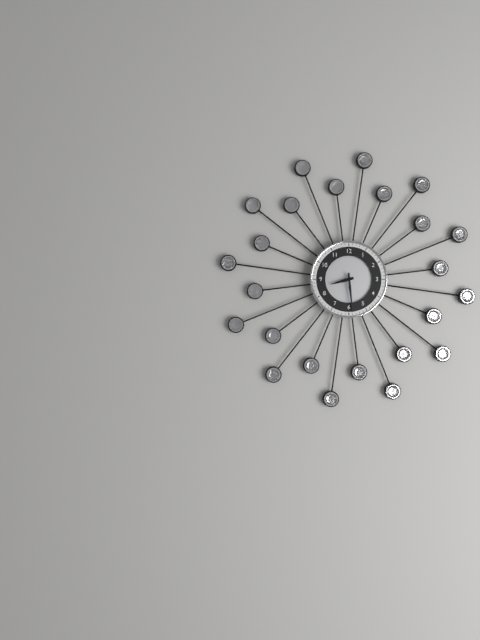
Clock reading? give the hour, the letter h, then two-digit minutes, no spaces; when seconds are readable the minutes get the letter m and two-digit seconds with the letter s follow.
8h29
